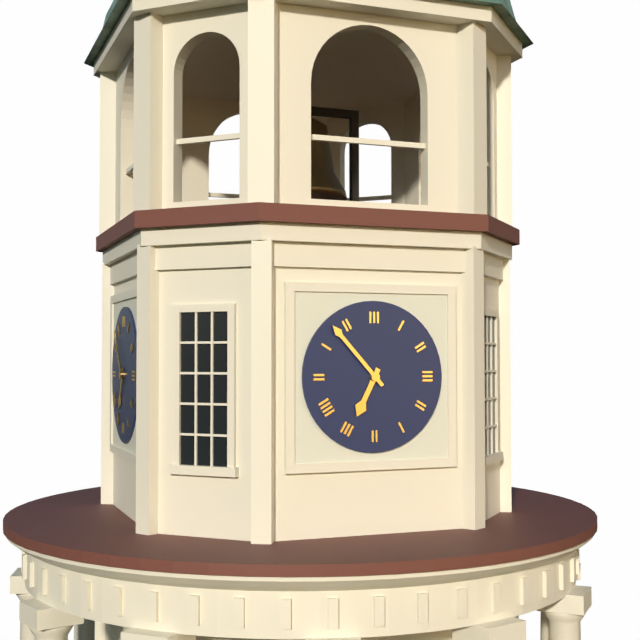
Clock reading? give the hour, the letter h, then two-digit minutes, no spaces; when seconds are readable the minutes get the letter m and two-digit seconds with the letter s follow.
6h53
